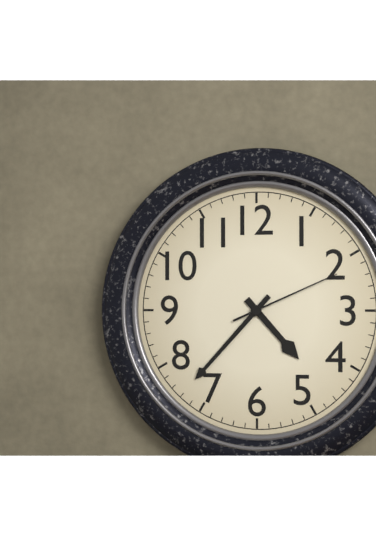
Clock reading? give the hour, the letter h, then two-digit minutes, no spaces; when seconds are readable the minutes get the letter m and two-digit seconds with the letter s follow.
4h37m11s
